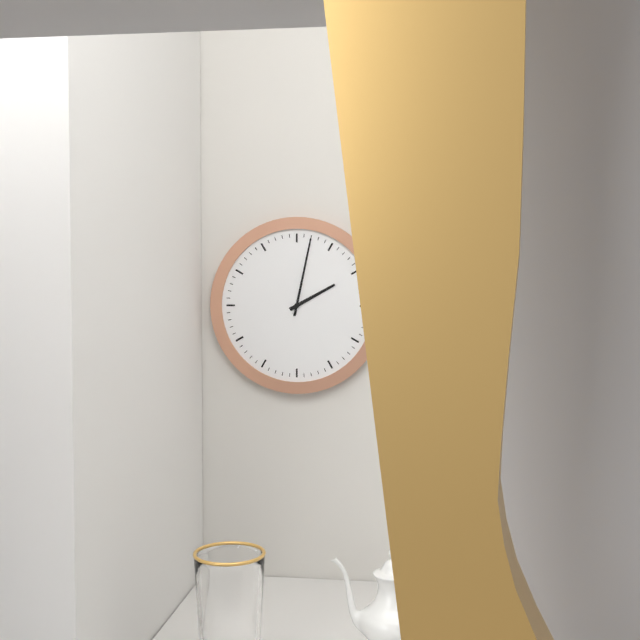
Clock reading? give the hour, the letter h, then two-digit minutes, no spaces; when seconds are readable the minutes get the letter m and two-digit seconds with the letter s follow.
2h02
